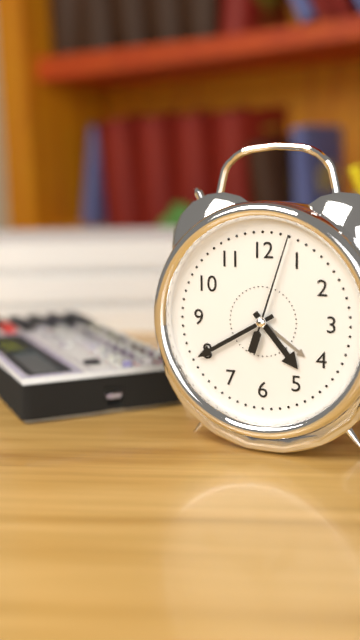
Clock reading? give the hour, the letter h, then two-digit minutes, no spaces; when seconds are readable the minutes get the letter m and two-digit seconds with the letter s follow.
4h40m03s
